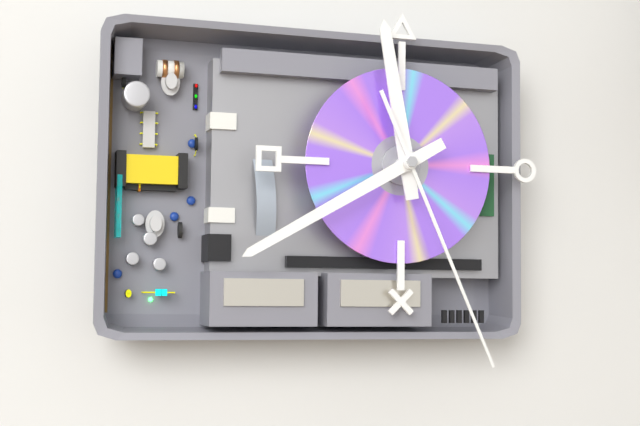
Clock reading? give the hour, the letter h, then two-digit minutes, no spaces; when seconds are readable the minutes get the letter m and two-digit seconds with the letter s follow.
11h40m26s
